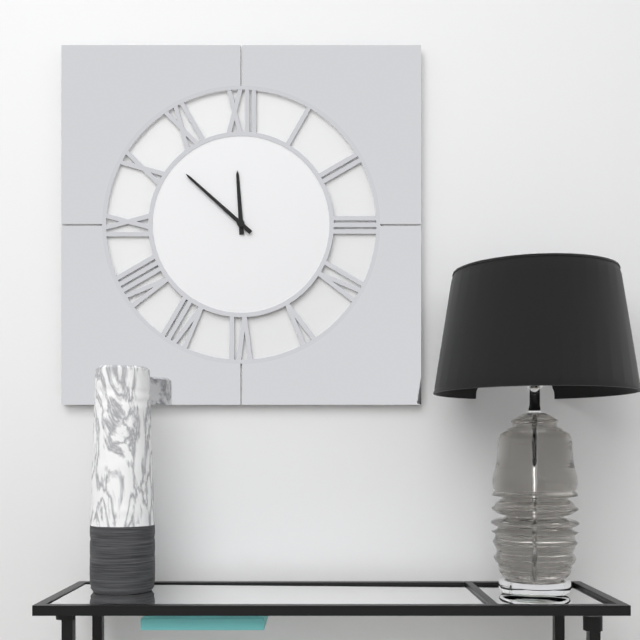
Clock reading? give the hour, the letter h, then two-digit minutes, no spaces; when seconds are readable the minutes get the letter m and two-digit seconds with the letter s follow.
11h52
